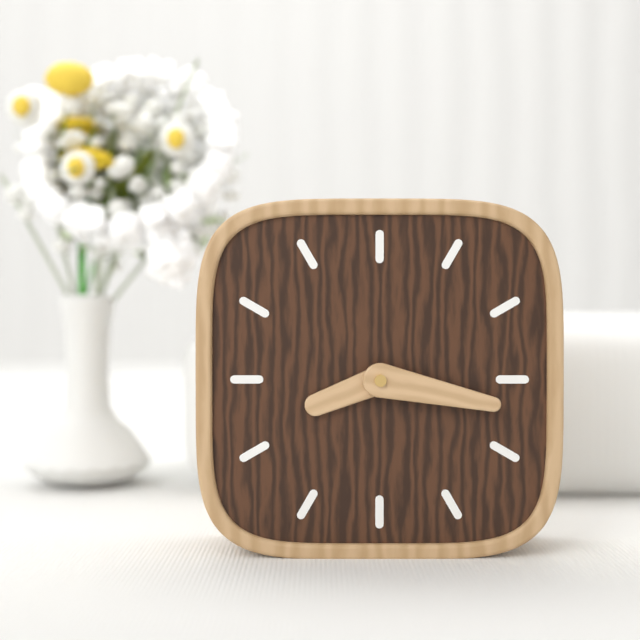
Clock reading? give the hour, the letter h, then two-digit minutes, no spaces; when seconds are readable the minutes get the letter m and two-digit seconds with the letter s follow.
8h17
